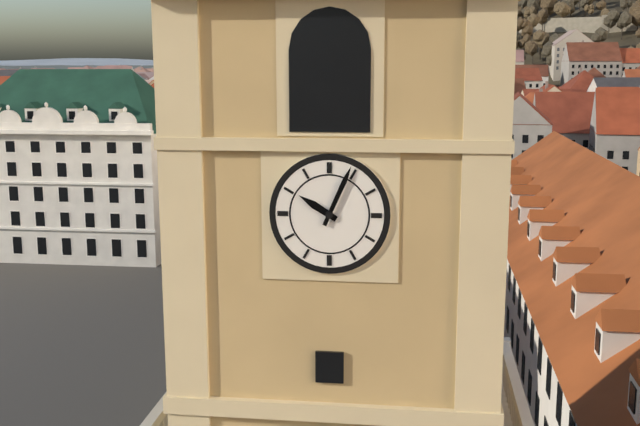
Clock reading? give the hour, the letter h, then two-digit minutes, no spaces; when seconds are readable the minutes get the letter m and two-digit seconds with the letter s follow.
10h04
